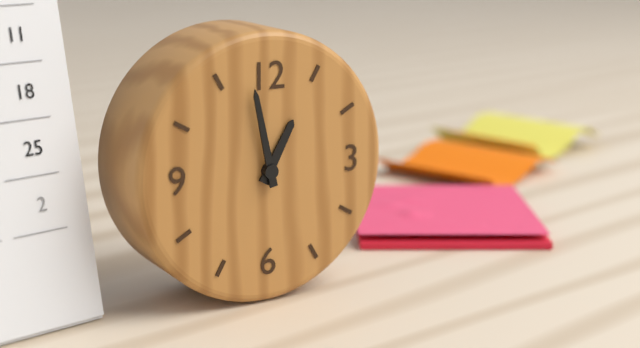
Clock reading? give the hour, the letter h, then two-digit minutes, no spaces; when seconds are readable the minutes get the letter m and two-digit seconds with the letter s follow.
12h58
